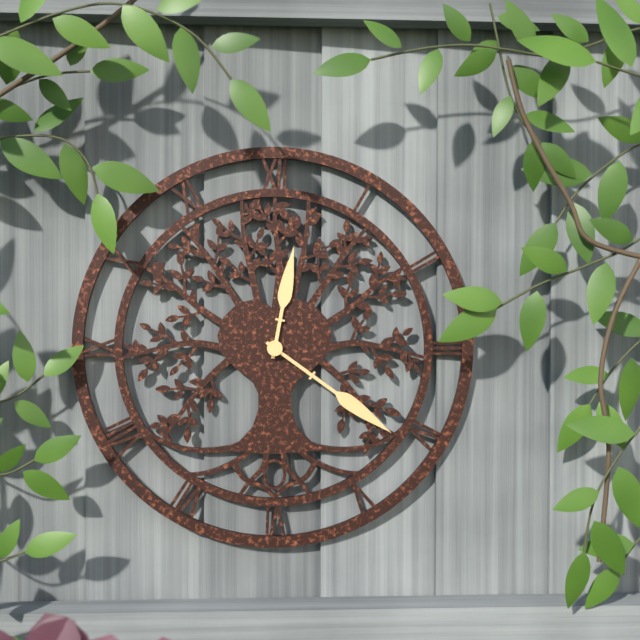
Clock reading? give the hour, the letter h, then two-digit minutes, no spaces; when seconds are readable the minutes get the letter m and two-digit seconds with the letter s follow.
12h21
